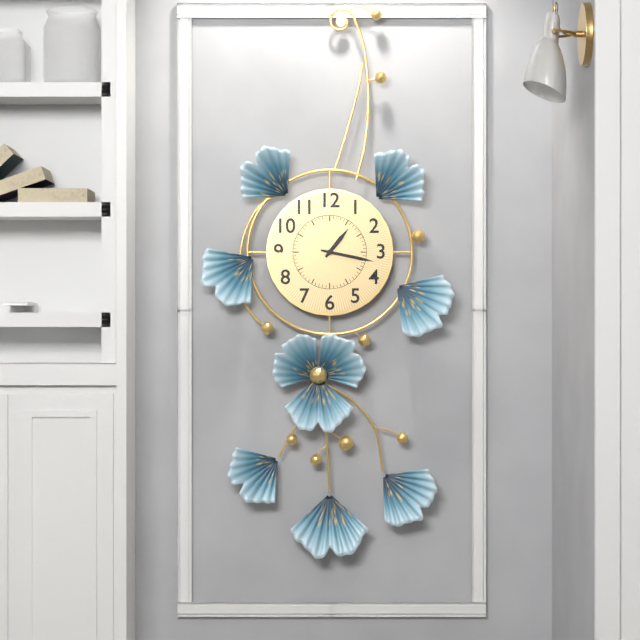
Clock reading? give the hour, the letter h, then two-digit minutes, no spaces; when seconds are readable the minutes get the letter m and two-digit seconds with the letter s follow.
1h17
